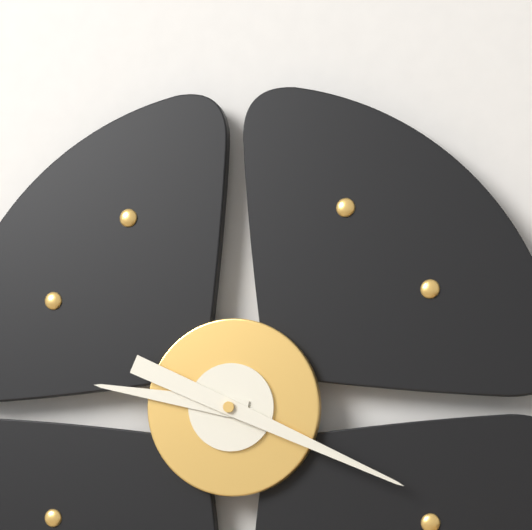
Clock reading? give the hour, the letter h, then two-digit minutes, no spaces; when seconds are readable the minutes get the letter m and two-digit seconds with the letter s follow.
9h19
